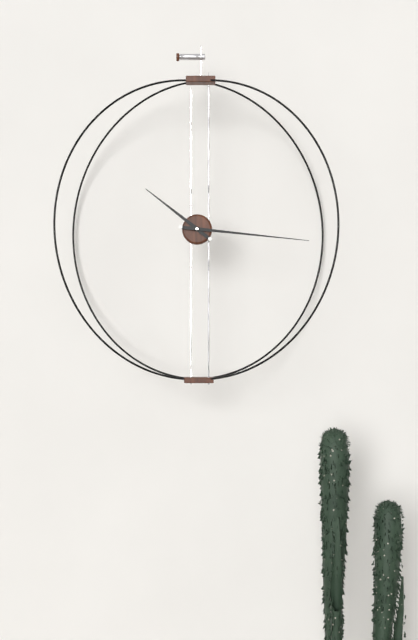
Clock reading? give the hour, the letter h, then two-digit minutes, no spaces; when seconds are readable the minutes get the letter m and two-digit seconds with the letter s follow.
10h16
